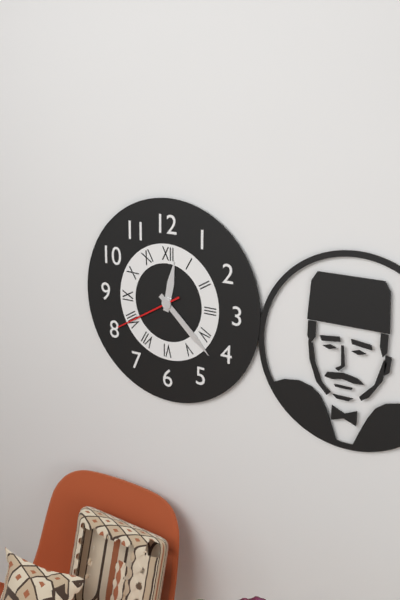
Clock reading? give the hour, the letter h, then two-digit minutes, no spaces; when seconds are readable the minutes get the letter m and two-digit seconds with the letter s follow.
12h22m40s
